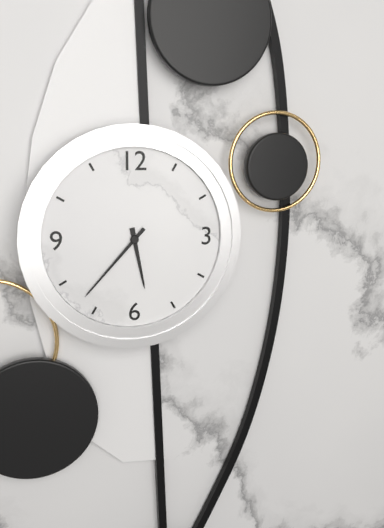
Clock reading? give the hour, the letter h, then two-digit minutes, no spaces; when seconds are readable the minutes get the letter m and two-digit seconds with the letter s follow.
5h37
